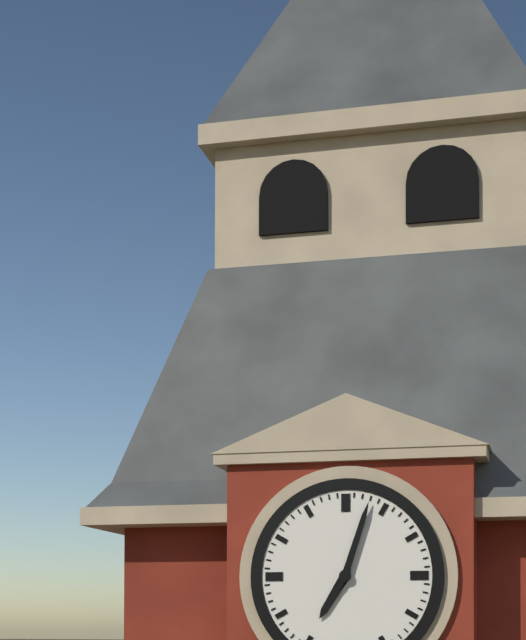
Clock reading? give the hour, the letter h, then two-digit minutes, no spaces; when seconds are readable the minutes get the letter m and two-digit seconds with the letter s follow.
7h03
